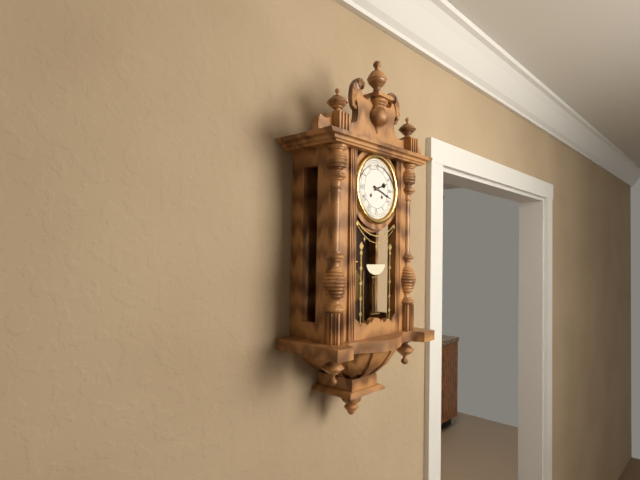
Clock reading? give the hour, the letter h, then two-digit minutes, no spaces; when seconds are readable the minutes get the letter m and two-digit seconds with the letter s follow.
2h18
